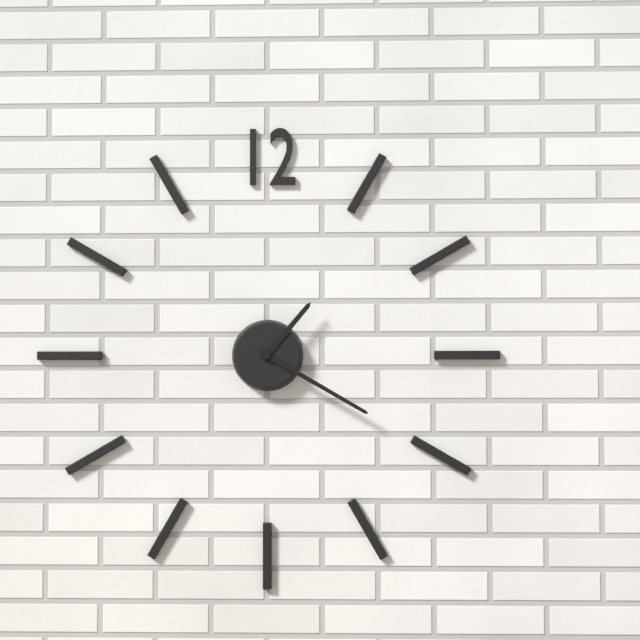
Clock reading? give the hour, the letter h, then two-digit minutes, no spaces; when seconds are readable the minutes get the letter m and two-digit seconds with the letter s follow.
1h20
